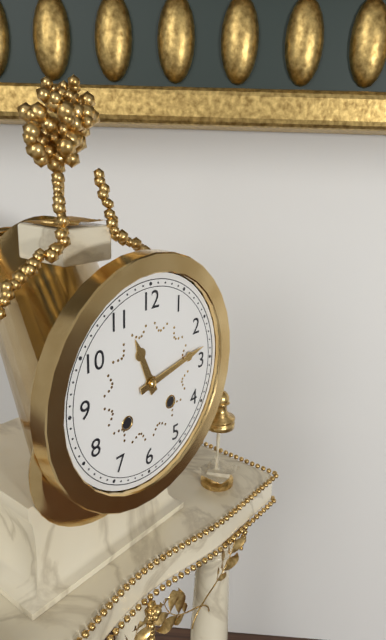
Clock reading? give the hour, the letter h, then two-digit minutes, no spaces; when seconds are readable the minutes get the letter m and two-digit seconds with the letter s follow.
11h13
